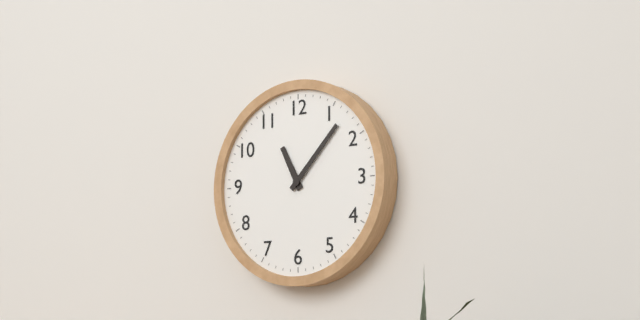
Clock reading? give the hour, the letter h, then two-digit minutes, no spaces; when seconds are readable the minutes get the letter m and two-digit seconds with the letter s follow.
11h07
